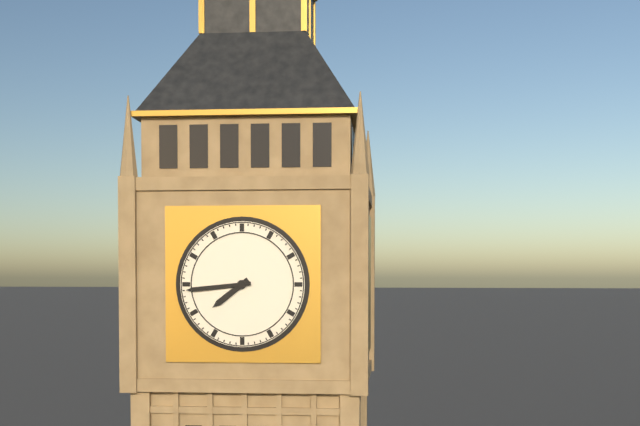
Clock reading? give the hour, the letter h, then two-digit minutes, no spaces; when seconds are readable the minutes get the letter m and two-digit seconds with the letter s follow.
7h44
